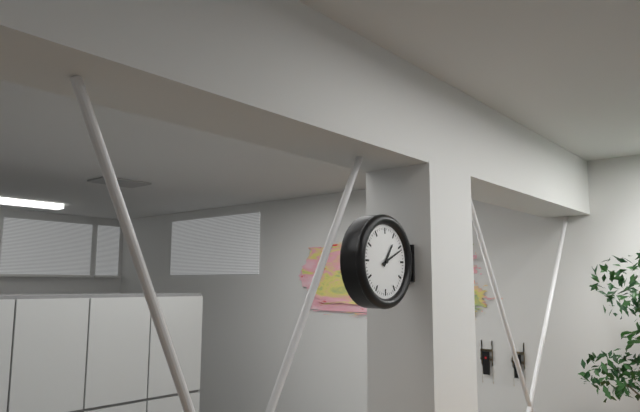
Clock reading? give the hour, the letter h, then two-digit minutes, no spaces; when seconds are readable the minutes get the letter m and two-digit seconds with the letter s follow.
1h11
